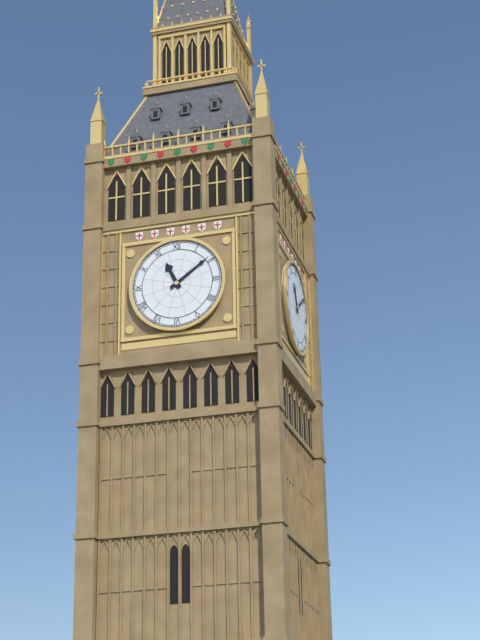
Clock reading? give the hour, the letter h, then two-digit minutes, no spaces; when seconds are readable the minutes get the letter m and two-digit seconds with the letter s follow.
11h09
